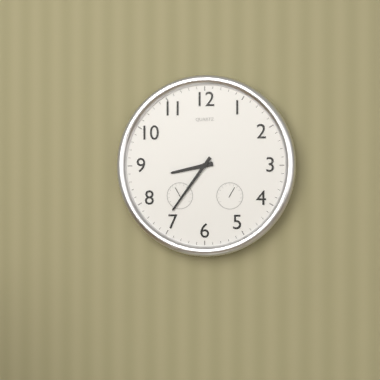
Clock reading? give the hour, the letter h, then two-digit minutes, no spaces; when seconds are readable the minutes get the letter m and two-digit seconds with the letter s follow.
8h36
